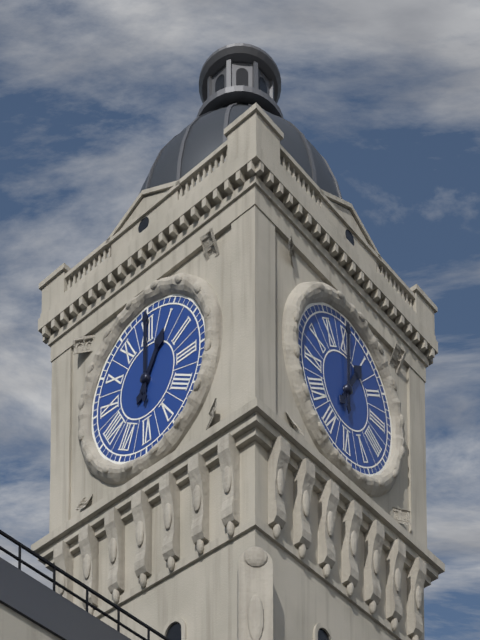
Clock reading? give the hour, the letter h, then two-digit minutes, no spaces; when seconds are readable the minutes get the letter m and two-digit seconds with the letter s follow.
1h00
